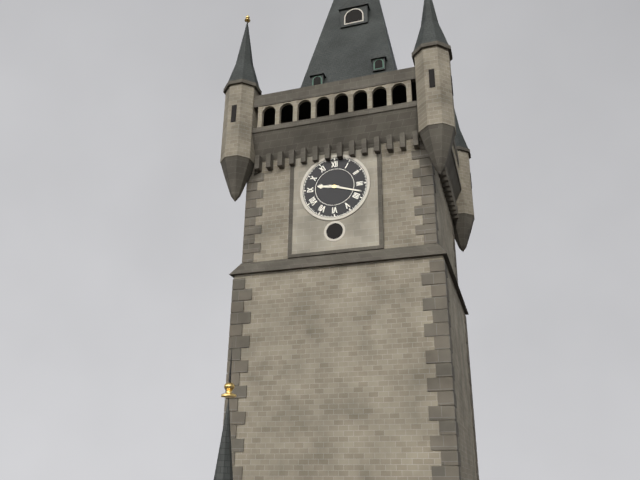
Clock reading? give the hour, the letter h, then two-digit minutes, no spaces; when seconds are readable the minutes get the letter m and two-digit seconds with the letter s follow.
9h18
